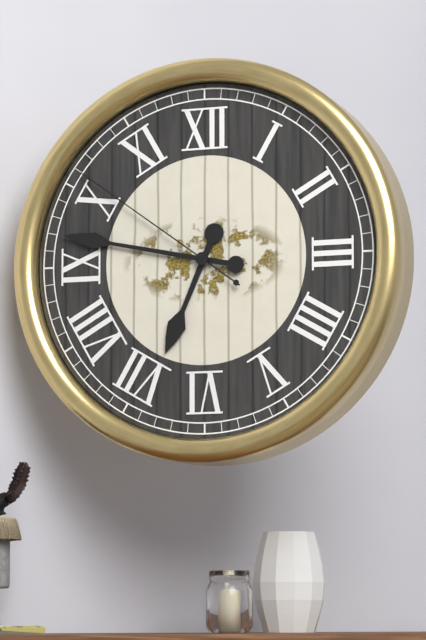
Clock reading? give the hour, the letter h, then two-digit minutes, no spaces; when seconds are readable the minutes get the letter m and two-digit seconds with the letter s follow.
6h47m51s
